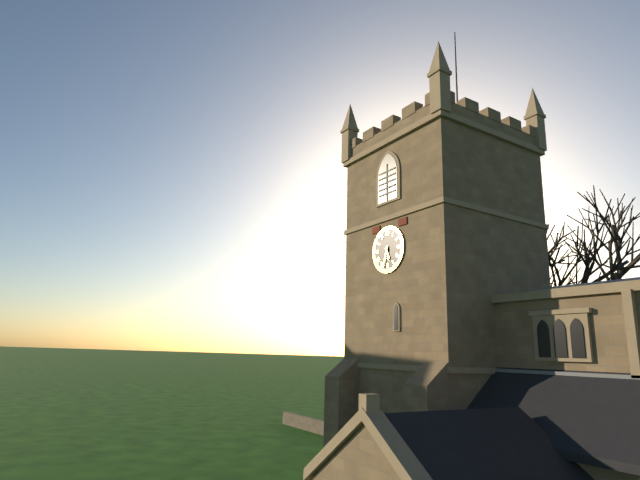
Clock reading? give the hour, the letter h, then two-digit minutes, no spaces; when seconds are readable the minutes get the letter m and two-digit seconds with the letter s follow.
5h33
